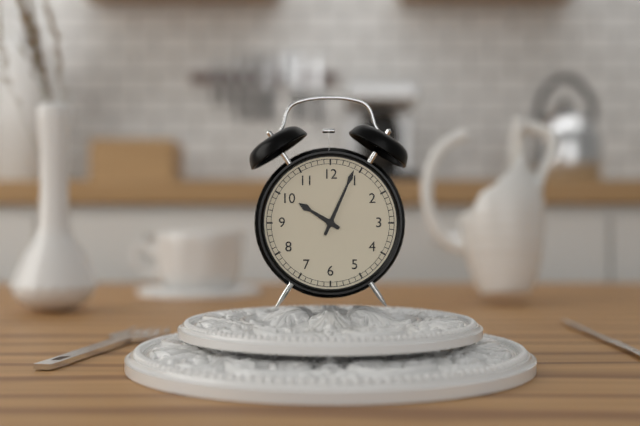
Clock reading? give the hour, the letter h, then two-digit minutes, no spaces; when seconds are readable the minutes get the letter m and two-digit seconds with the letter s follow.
10h04
